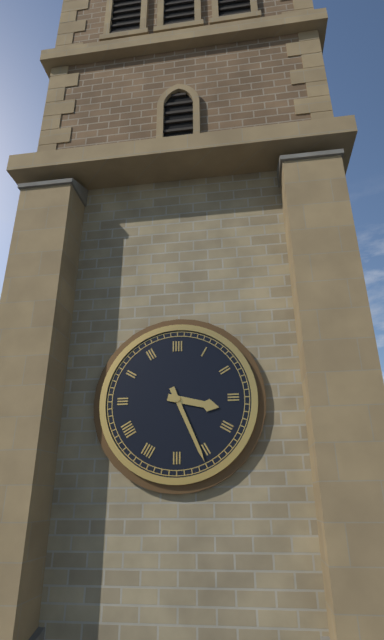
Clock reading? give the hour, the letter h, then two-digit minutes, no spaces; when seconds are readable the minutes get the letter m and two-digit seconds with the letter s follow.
3h26
